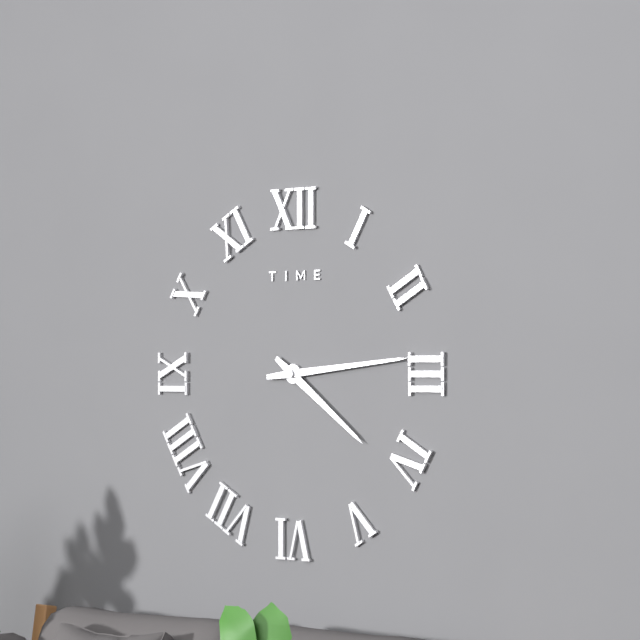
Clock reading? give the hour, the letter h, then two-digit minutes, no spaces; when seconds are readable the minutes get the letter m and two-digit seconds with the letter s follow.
4h14
